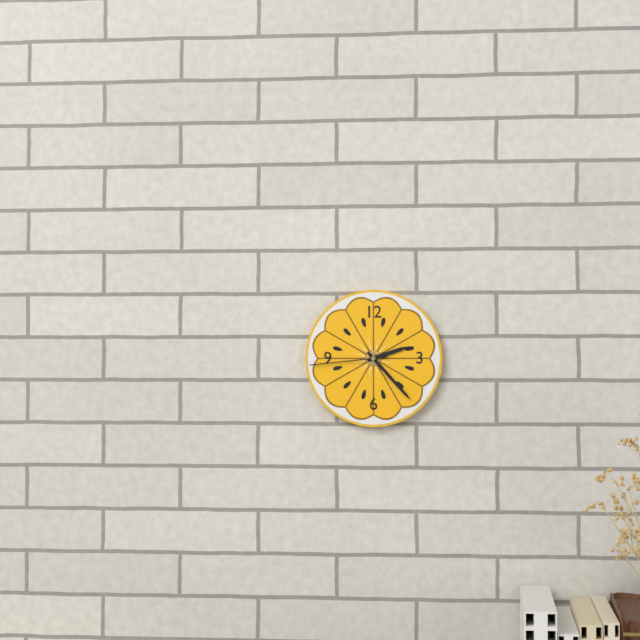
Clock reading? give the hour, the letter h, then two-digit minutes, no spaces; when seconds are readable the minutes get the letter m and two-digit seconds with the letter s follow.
2h23m44s
